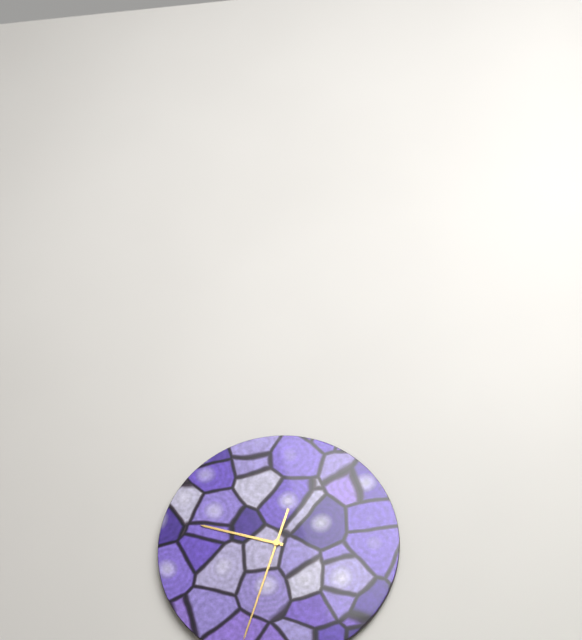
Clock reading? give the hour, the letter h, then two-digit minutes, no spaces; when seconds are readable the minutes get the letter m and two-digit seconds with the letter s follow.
9h33
